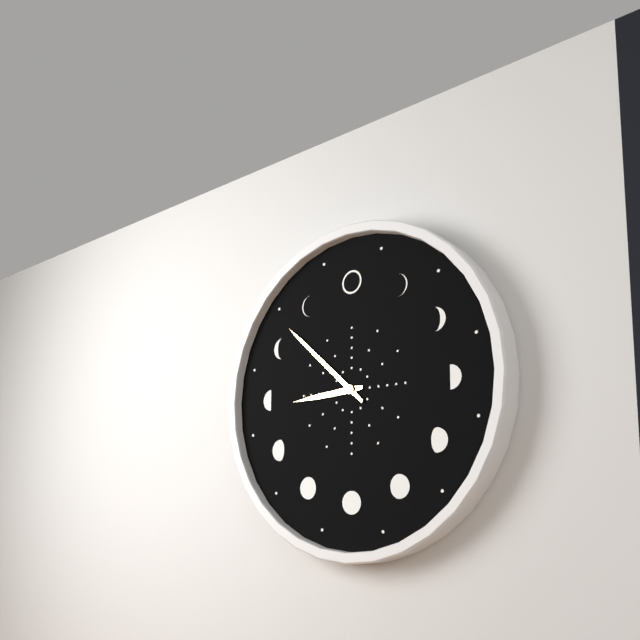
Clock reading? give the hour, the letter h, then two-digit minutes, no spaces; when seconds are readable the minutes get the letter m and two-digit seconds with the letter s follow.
8h52
